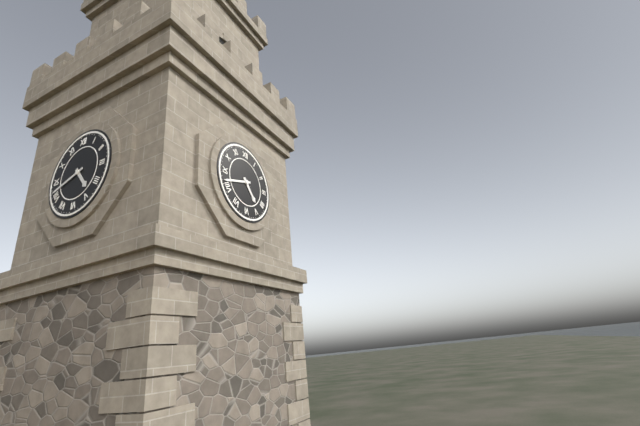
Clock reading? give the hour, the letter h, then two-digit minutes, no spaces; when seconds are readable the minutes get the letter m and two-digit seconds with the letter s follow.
4h42
